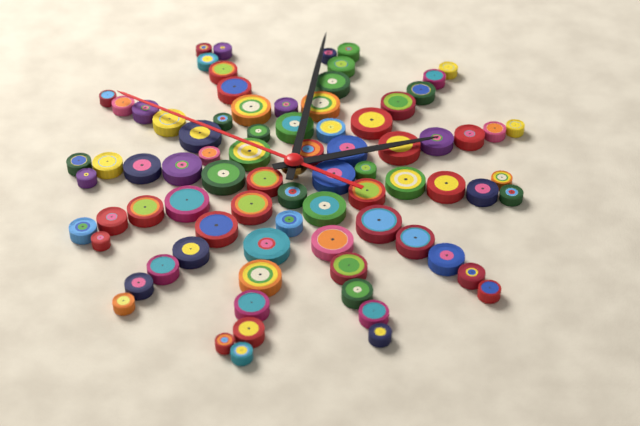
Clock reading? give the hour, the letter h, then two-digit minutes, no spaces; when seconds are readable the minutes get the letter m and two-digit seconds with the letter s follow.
1h59m48s
